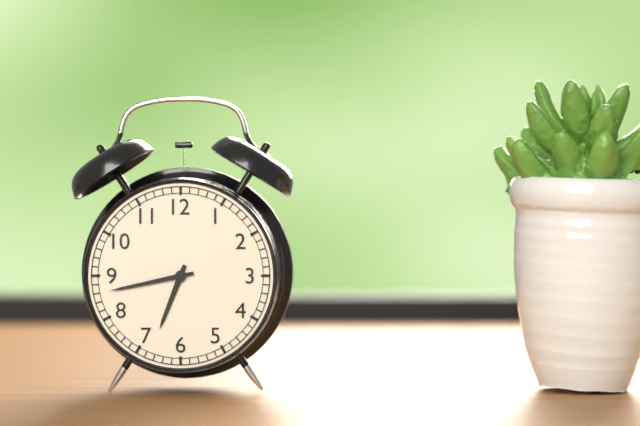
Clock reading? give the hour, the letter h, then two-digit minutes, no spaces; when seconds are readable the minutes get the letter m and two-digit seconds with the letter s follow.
6h43
